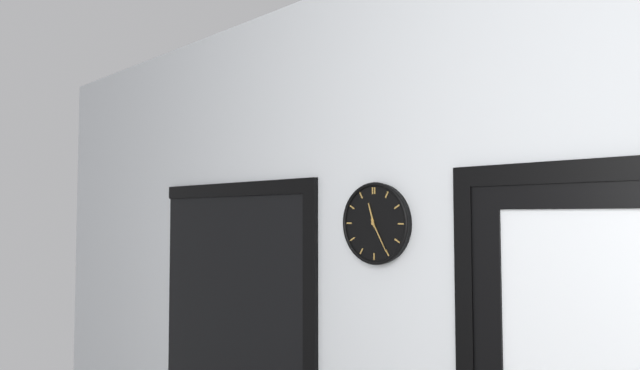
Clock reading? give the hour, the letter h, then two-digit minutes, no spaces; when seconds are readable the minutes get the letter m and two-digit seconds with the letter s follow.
11h25
